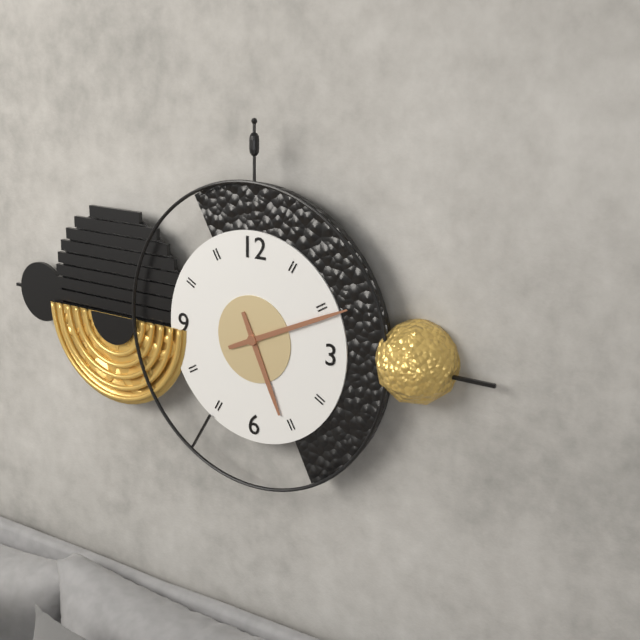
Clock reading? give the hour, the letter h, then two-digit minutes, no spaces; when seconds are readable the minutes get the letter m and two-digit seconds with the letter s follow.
5h11
